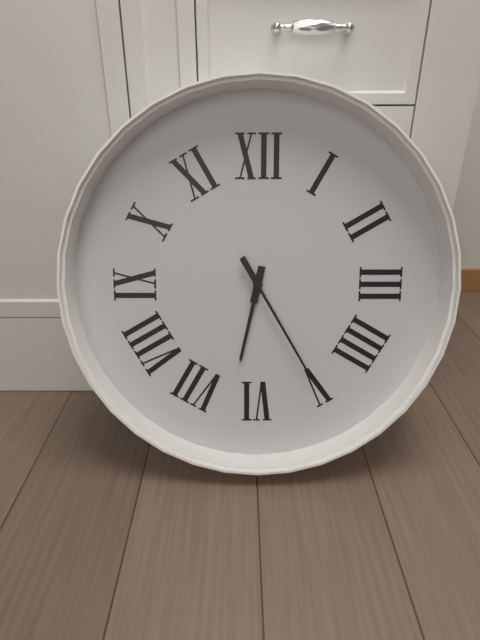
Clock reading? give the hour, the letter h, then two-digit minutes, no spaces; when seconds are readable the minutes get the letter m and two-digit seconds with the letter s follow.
6h25
